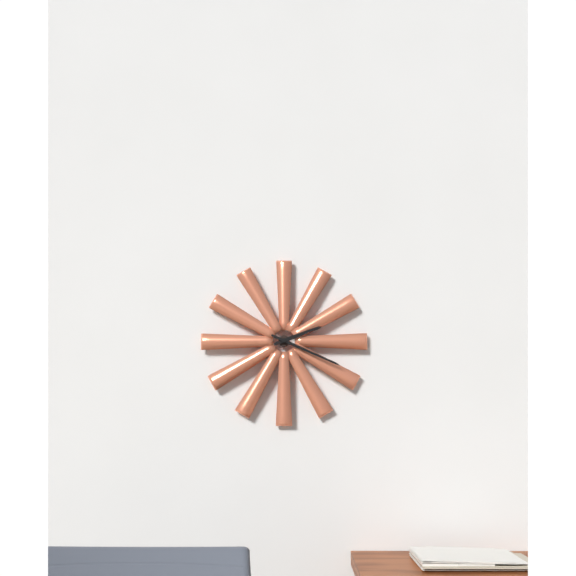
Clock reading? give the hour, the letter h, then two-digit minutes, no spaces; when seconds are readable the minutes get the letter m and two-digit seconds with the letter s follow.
2h19
